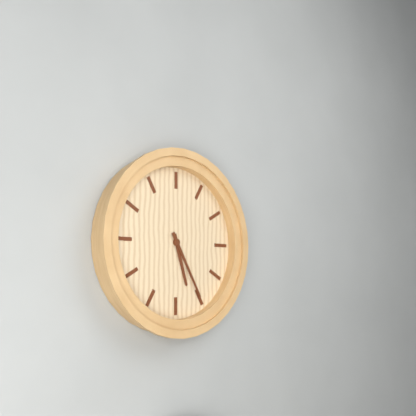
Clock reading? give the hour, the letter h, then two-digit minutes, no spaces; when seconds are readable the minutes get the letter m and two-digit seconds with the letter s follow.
5h25
